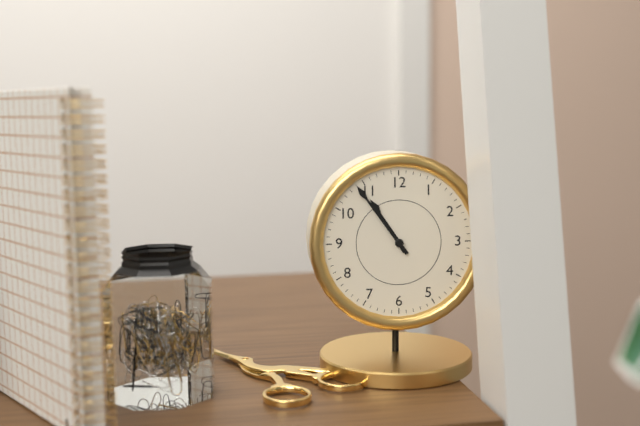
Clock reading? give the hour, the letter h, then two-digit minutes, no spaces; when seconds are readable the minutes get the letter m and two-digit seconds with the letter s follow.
10h54
